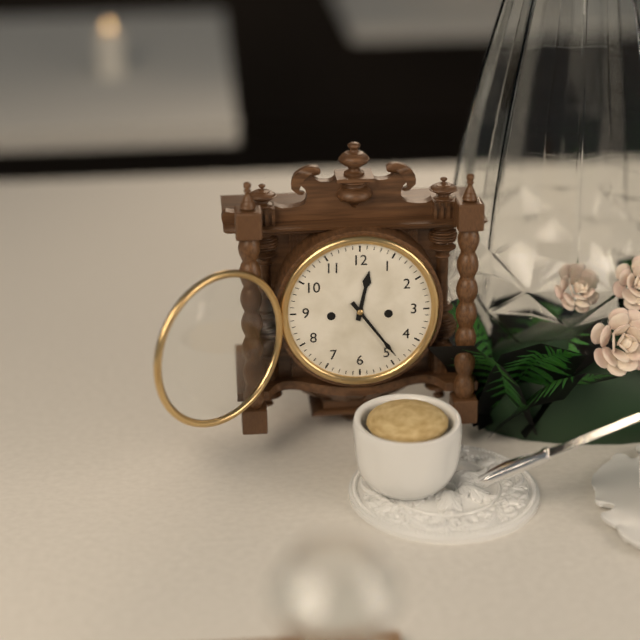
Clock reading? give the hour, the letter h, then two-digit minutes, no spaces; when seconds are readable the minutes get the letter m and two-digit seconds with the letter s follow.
12h24
